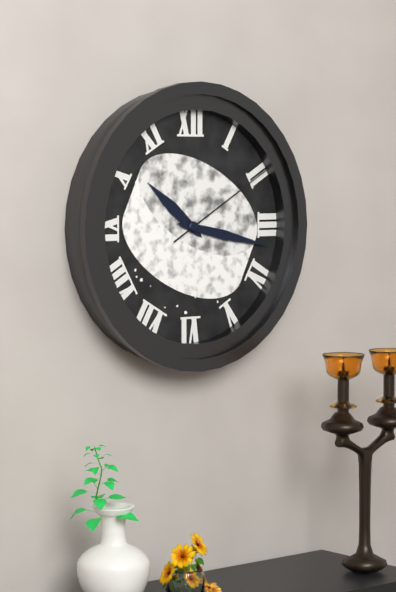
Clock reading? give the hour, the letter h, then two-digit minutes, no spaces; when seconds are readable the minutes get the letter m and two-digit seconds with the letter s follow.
10h17m10s
